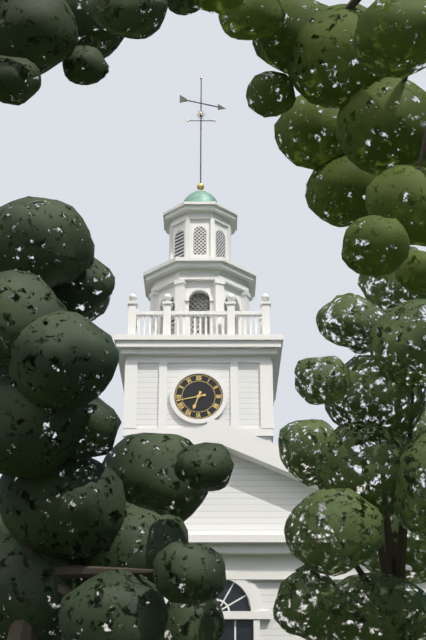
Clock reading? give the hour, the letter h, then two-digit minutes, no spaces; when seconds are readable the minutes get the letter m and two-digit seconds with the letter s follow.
6h43
